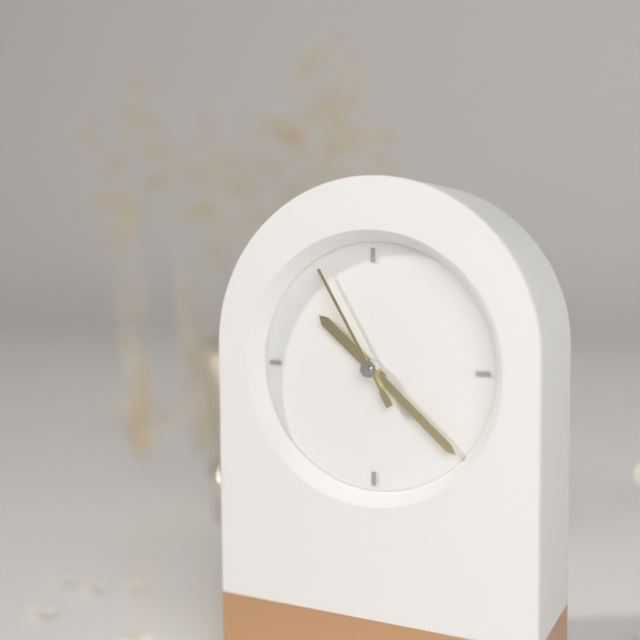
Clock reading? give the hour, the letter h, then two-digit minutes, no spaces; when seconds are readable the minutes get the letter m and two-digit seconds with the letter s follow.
10h22m55s
